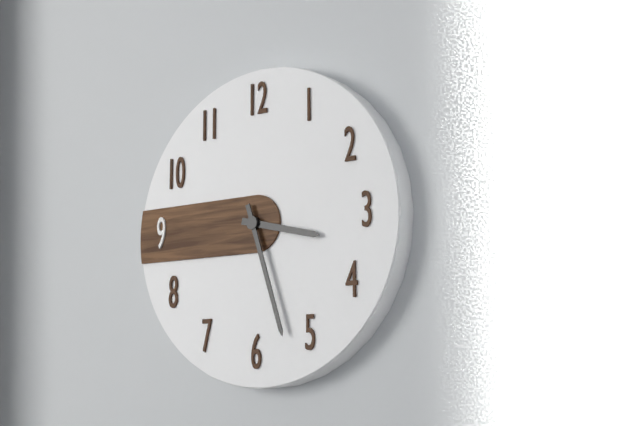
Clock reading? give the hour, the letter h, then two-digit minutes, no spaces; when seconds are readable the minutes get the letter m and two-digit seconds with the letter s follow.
3h27
